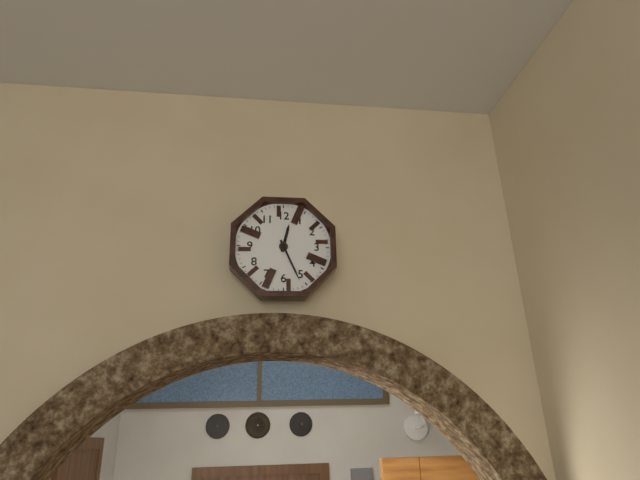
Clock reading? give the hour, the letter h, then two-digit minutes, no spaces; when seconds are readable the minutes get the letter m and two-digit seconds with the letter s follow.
12h26
